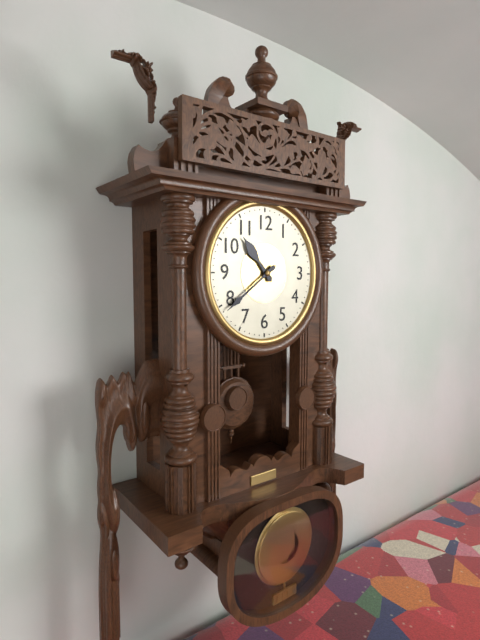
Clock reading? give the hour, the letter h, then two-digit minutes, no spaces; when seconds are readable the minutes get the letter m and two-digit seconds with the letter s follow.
10h39
